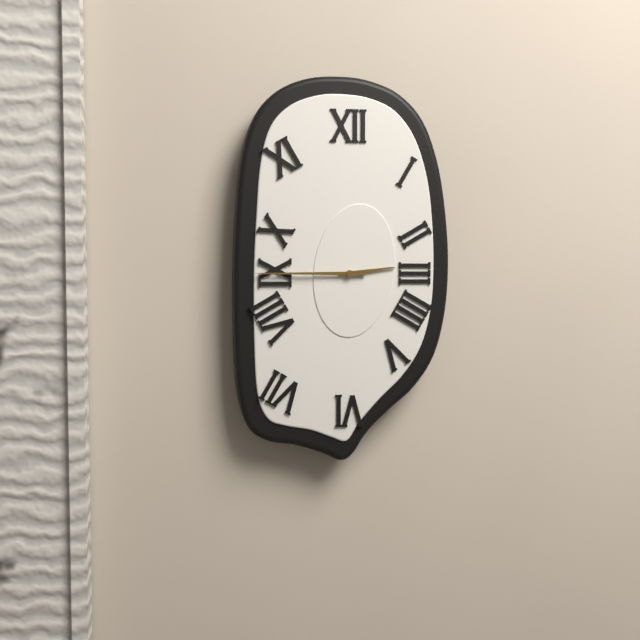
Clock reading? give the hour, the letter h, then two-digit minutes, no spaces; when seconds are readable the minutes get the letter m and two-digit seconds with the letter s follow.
2h45
